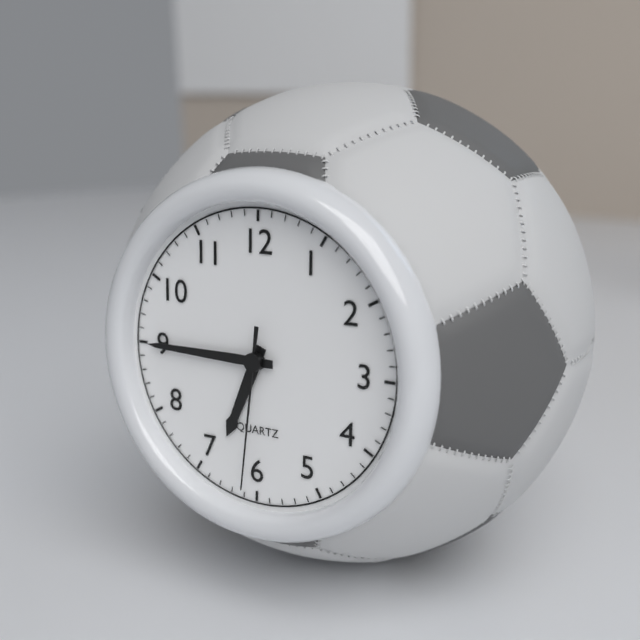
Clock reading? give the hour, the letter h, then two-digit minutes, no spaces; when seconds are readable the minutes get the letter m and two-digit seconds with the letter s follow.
6h45m31s
